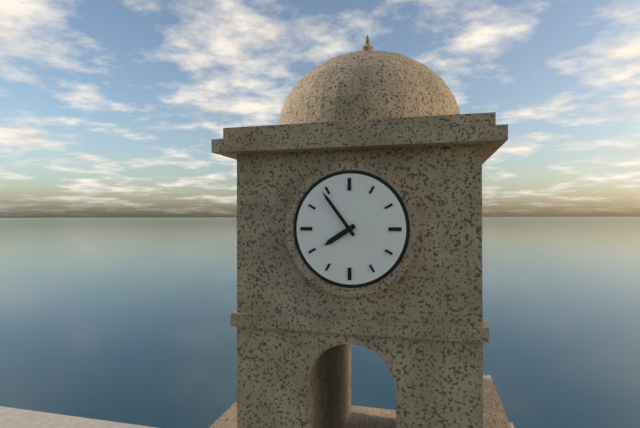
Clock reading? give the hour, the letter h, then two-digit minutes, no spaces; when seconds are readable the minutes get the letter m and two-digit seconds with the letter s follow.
7h54
